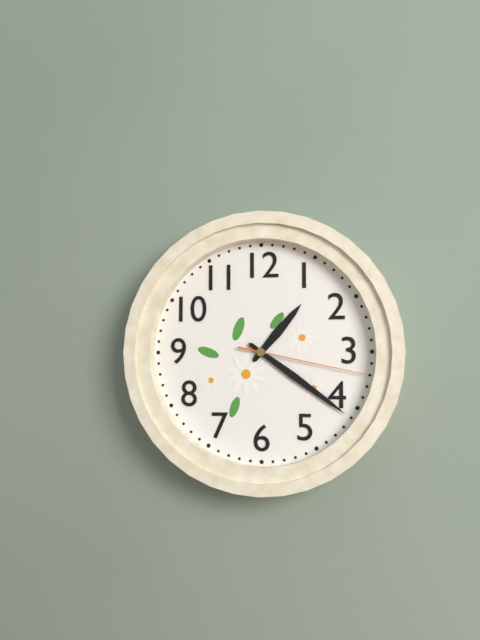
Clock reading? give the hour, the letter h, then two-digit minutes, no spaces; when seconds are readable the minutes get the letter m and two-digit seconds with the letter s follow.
1h21m17s
